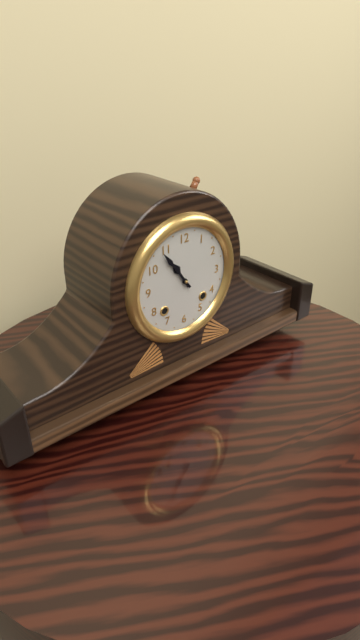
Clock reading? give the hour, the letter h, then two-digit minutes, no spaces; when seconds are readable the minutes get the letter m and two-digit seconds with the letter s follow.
10h54
